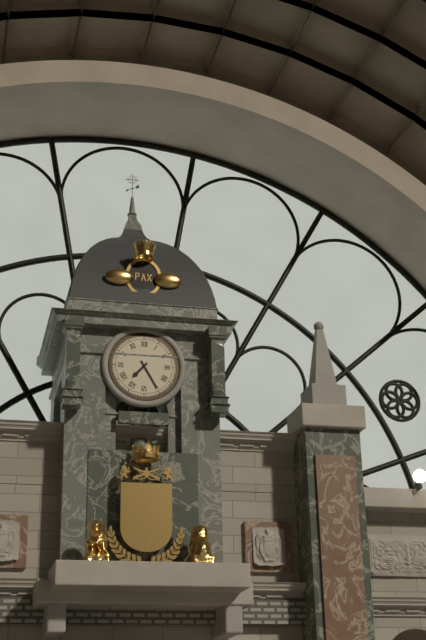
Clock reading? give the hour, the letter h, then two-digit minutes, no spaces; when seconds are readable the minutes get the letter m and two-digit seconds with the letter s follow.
7h25
